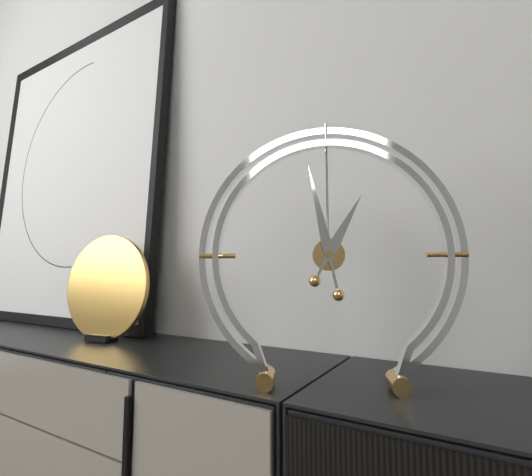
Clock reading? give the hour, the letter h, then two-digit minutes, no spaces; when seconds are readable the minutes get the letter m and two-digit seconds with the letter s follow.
12h58
